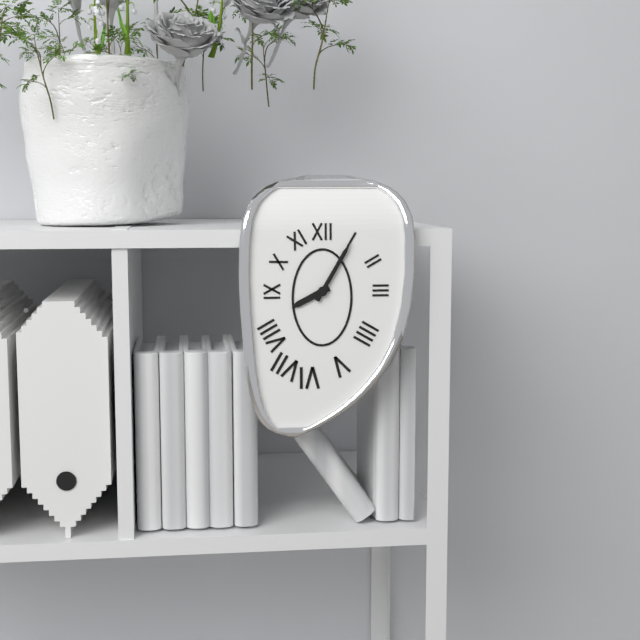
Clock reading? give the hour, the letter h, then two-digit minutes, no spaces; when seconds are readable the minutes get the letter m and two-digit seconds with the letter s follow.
8h05
